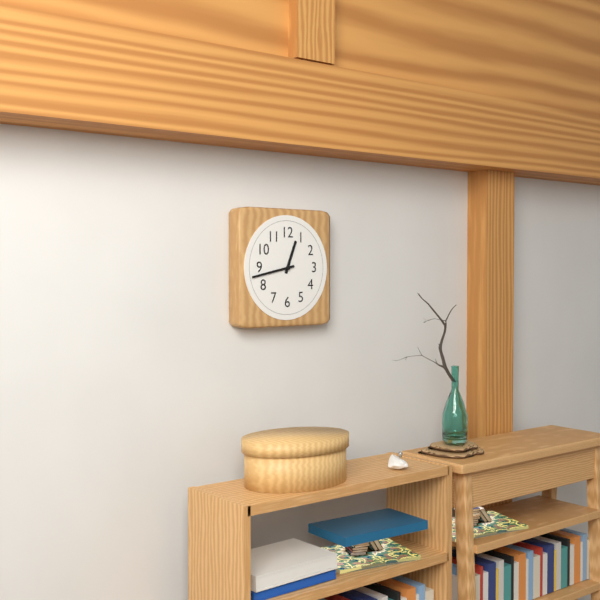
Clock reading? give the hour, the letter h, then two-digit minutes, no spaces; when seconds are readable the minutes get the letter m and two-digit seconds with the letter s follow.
12h43
